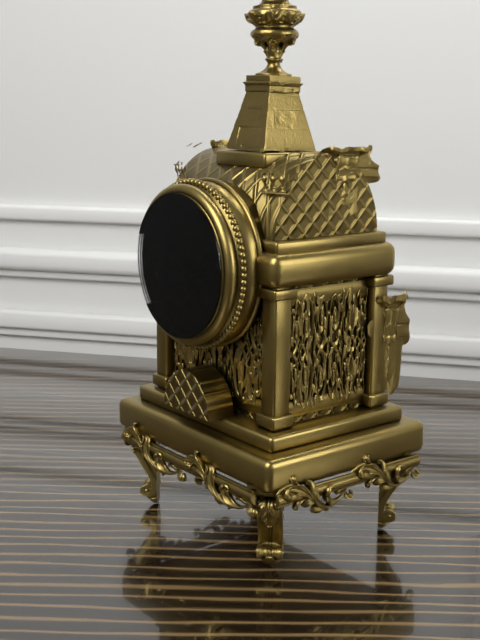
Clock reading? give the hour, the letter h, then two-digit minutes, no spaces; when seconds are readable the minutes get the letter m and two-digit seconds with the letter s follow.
5h36
